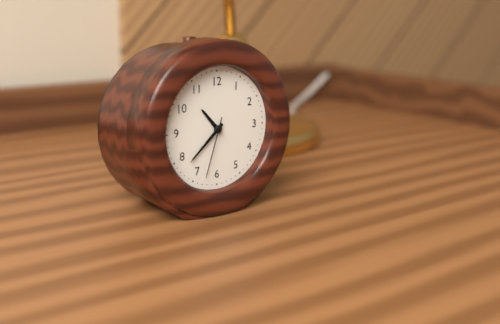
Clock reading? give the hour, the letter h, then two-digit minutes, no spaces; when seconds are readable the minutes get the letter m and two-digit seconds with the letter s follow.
10h38m33s
